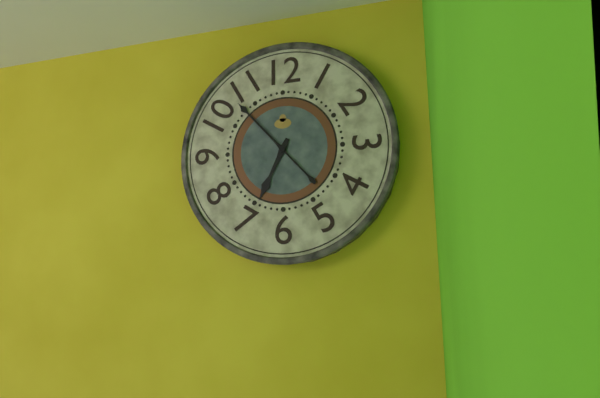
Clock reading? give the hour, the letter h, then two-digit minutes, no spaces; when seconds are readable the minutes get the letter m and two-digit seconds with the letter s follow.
6h53
